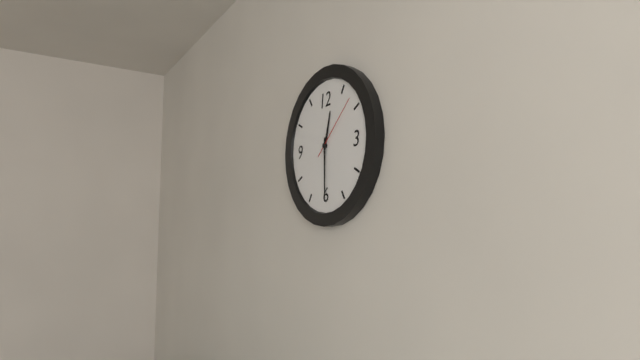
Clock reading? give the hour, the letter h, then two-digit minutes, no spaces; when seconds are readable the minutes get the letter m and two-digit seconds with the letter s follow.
12h30m08s
